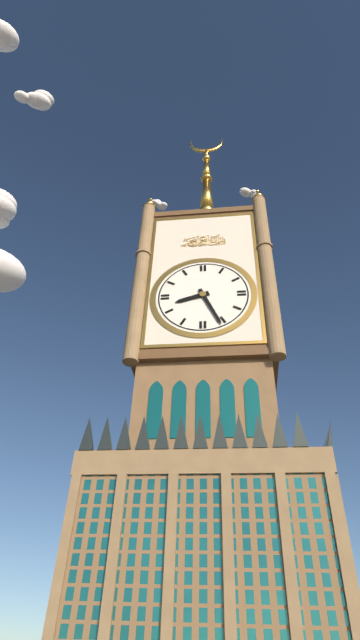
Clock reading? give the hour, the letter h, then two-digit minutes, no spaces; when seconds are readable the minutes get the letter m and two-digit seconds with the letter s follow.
8h26
